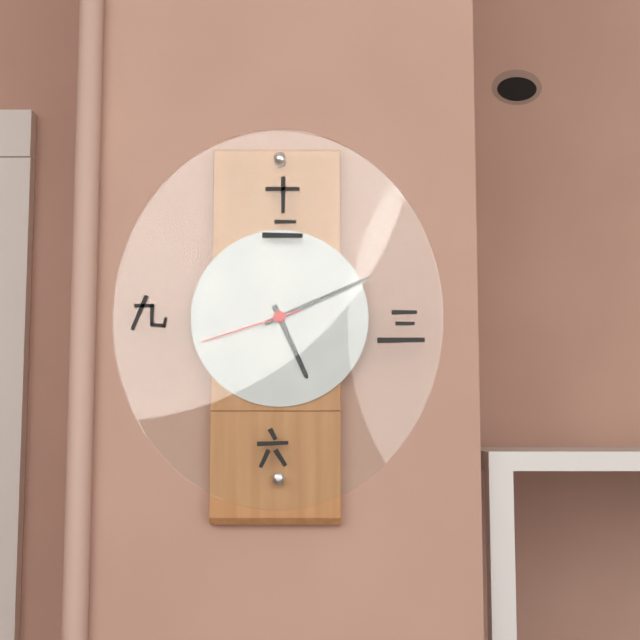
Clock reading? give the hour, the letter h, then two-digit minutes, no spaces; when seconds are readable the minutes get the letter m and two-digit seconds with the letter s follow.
5h11m42s
